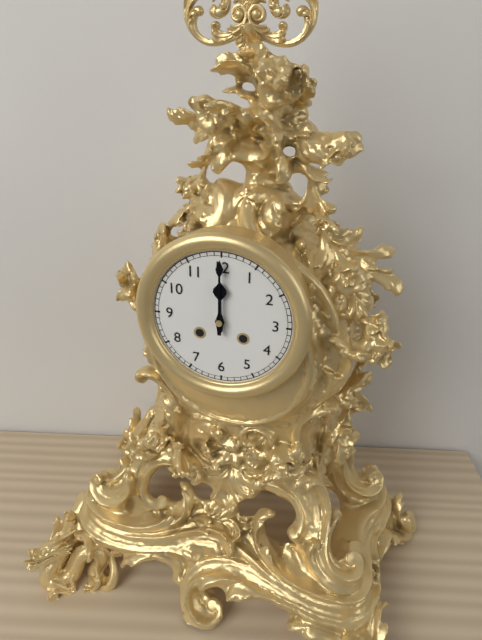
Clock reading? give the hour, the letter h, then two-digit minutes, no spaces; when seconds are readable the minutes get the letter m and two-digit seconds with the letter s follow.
12h00
